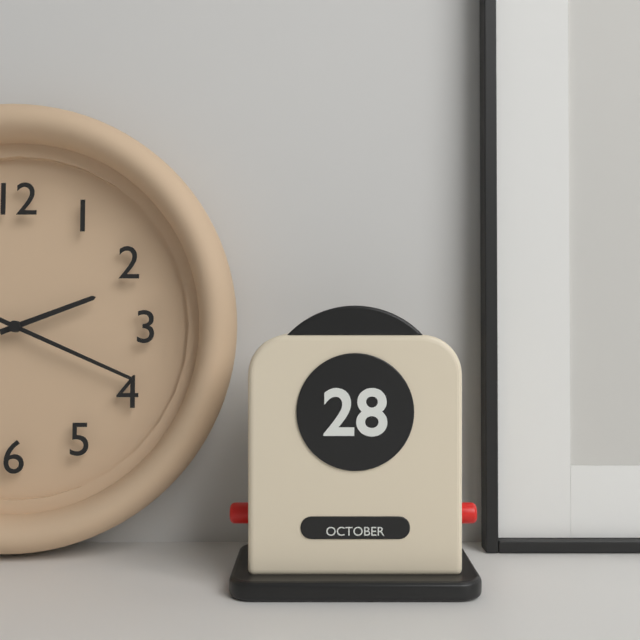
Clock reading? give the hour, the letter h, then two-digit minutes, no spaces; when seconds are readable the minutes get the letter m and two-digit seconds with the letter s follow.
2h19
